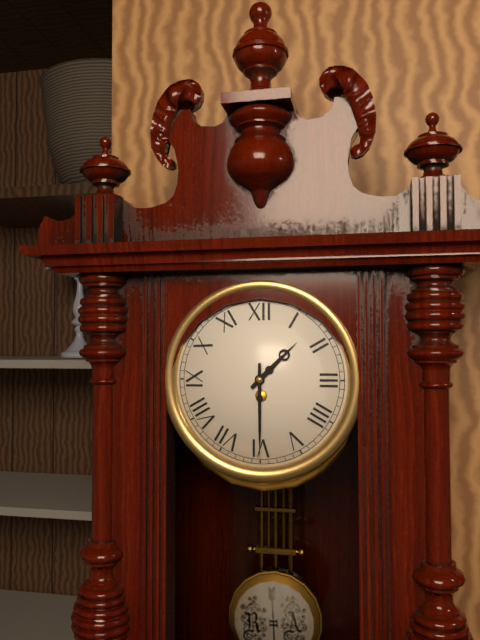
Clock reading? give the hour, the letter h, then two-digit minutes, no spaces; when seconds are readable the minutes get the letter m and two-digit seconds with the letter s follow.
1h30
